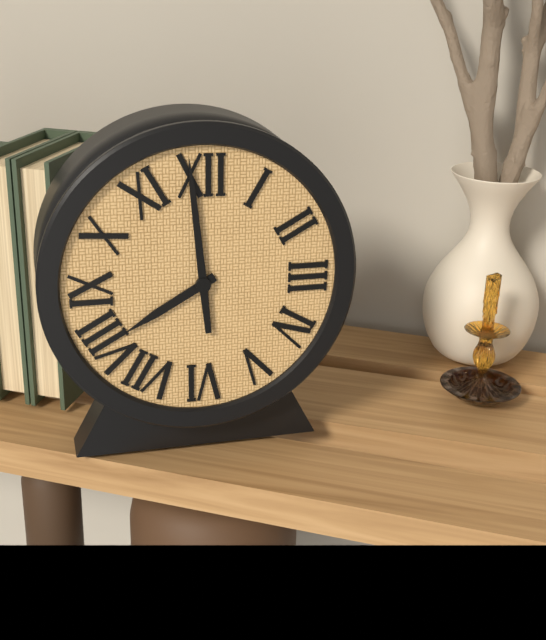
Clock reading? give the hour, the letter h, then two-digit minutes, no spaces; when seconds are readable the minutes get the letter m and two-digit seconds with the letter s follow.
7h59
